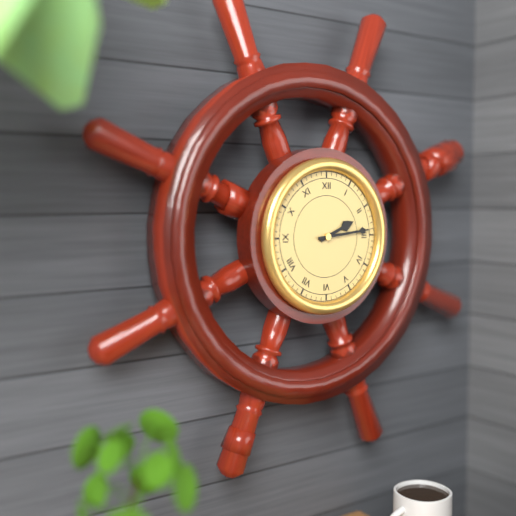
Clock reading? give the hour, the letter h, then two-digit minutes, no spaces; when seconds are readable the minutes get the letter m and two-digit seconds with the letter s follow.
2h14
